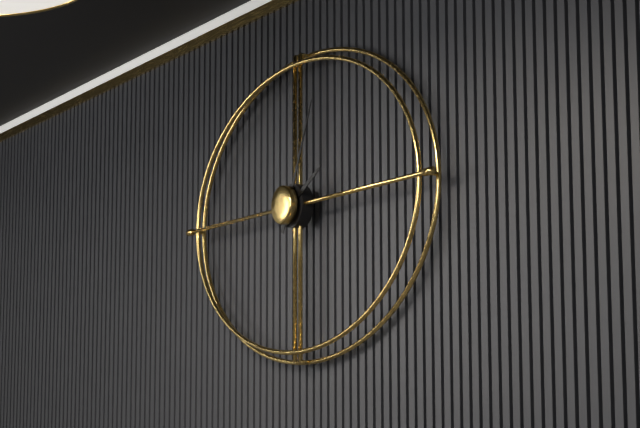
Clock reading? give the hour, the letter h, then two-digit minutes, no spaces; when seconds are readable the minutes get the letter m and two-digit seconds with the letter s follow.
2h04
